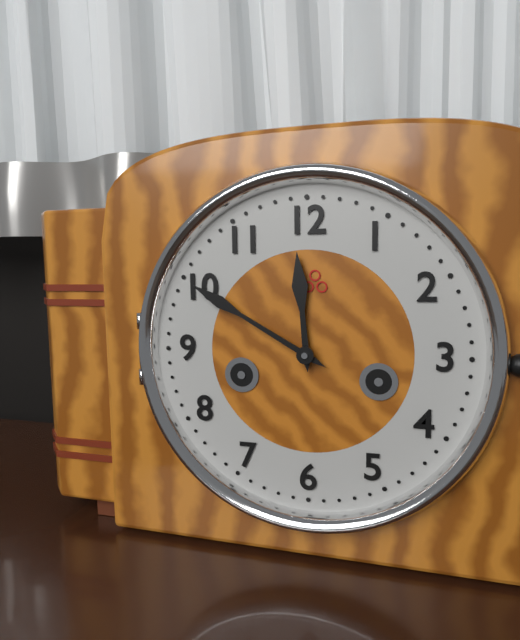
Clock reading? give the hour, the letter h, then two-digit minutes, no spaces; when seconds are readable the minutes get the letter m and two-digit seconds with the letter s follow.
11h50
